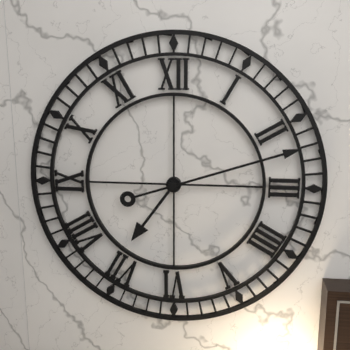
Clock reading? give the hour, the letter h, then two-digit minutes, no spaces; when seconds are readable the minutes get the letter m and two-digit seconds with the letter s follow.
7h12
